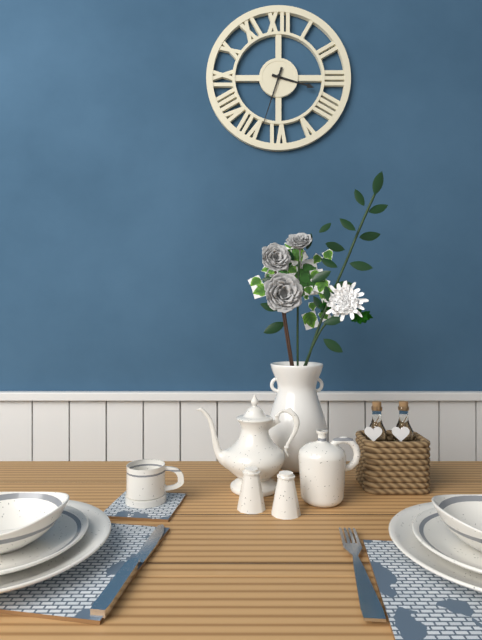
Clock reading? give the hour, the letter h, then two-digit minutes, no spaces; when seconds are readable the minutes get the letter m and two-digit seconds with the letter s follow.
3h33
